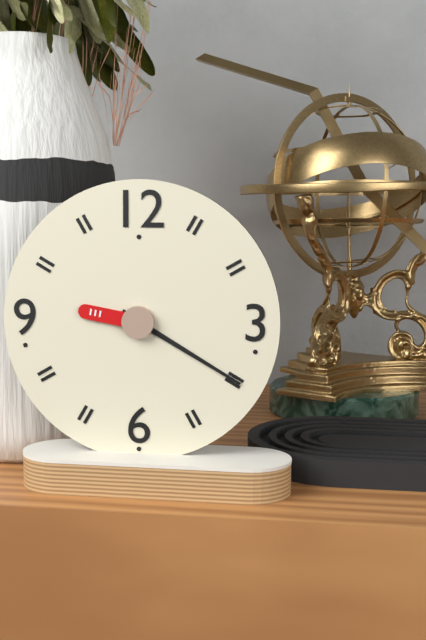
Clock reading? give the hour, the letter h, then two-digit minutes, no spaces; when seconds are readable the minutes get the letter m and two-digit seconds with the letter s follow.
9h20
